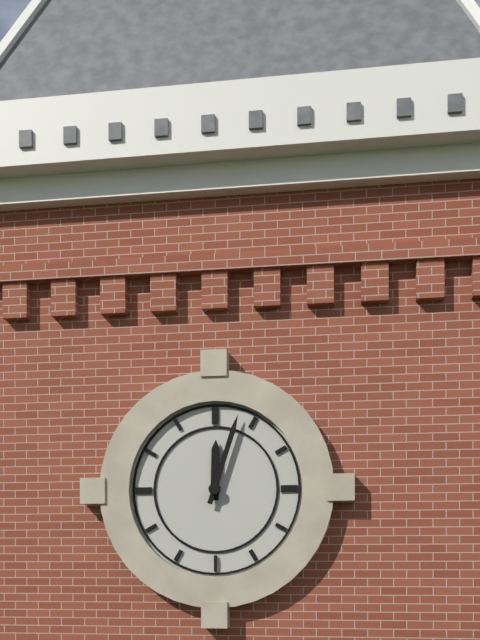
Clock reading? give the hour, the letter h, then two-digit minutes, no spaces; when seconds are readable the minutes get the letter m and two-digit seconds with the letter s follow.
12h03
